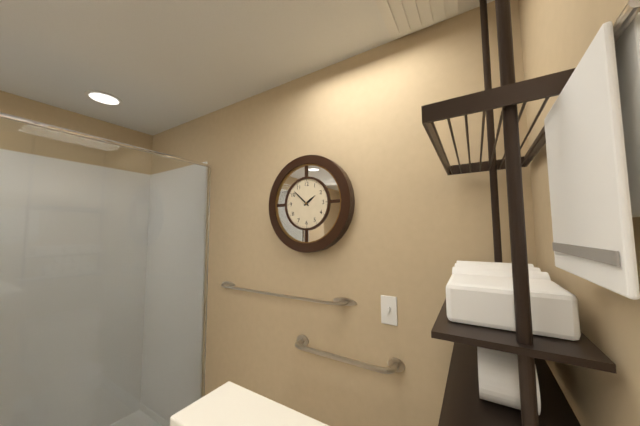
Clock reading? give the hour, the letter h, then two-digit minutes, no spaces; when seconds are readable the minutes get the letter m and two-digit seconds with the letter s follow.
1h52
